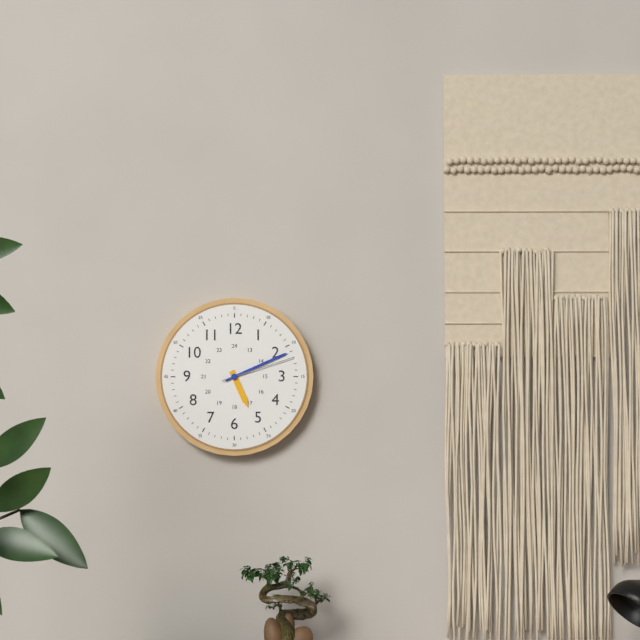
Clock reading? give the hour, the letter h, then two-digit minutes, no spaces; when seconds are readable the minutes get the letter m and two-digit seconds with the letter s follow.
5h11m12s
